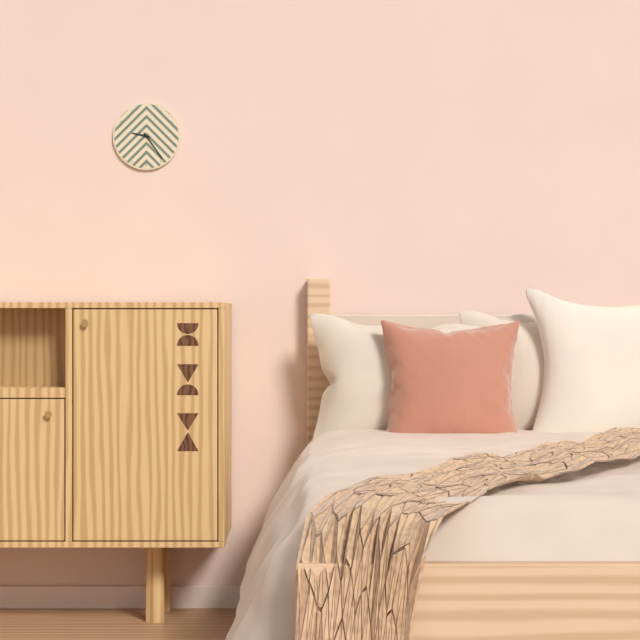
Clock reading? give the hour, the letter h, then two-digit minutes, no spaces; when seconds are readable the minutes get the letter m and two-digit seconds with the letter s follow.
9h24
